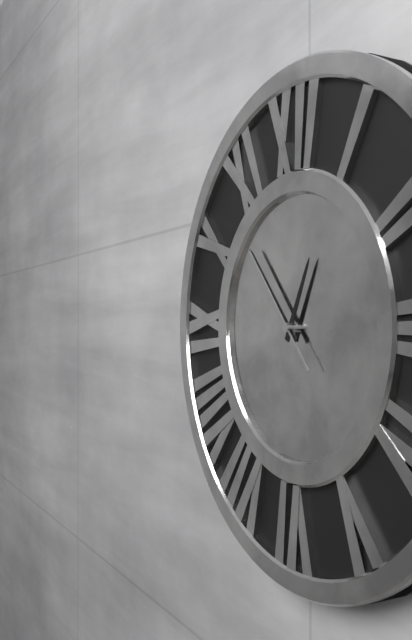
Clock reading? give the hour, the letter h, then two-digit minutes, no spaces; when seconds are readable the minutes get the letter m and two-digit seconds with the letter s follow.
12h53m53s
